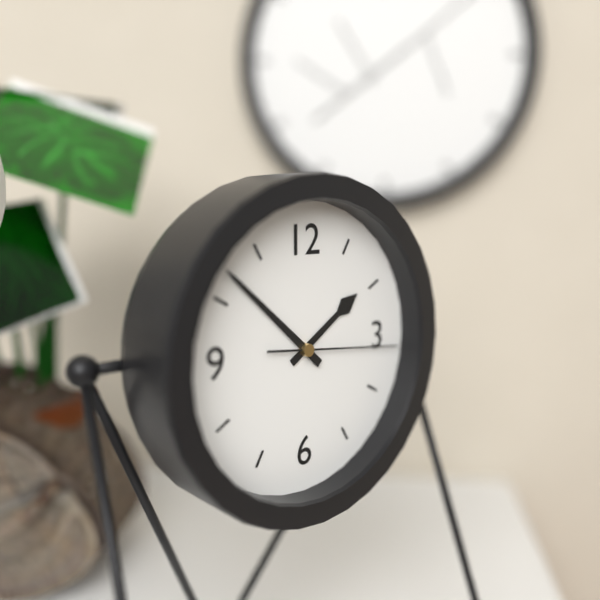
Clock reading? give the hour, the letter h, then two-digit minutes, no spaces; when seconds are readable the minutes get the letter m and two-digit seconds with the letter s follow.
1h52m16s
